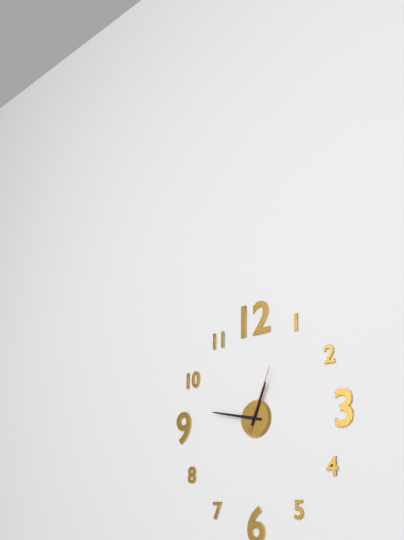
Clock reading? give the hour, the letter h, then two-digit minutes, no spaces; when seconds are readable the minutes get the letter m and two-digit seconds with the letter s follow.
12h47m04s
